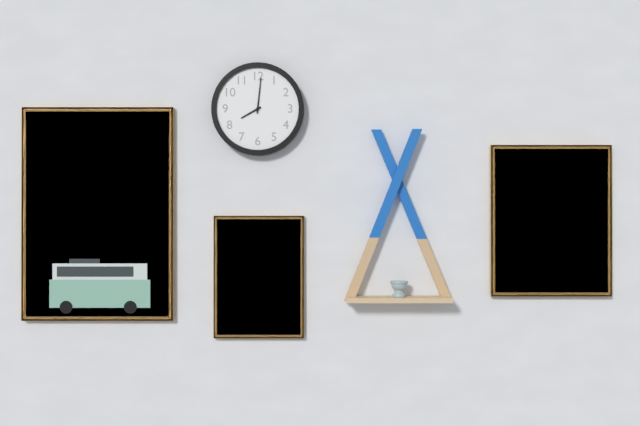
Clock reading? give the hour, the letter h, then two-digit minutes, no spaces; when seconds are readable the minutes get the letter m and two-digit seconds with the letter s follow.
8h01
